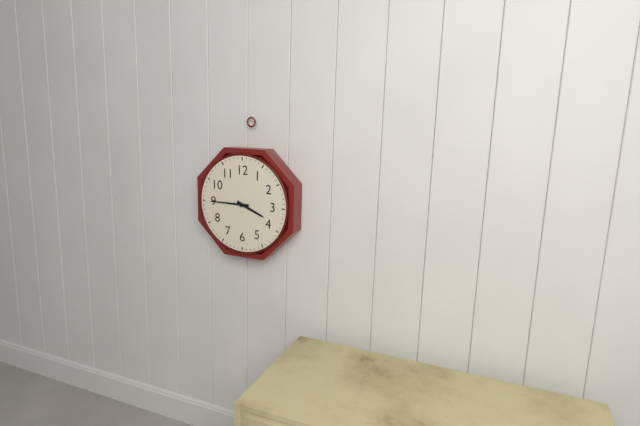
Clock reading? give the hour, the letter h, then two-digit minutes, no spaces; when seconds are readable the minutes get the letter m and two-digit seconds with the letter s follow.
3h45
